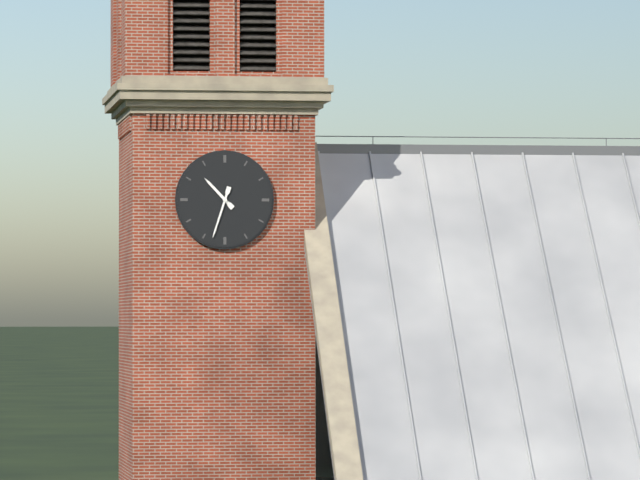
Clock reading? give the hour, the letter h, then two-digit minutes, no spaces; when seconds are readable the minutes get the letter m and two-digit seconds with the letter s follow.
10h33
